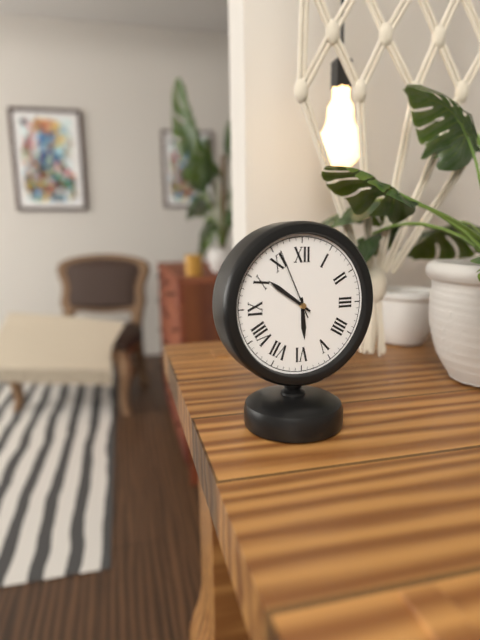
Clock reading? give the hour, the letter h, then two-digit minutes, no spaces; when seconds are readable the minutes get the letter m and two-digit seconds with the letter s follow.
5h51m56s
